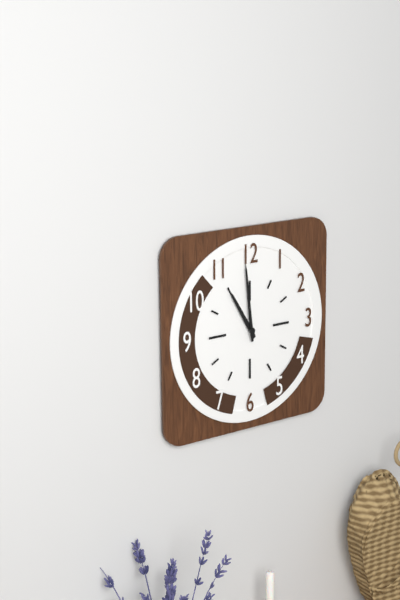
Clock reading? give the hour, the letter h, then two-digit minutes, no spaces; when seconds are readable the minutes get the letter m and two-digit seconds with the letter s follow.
10h59
